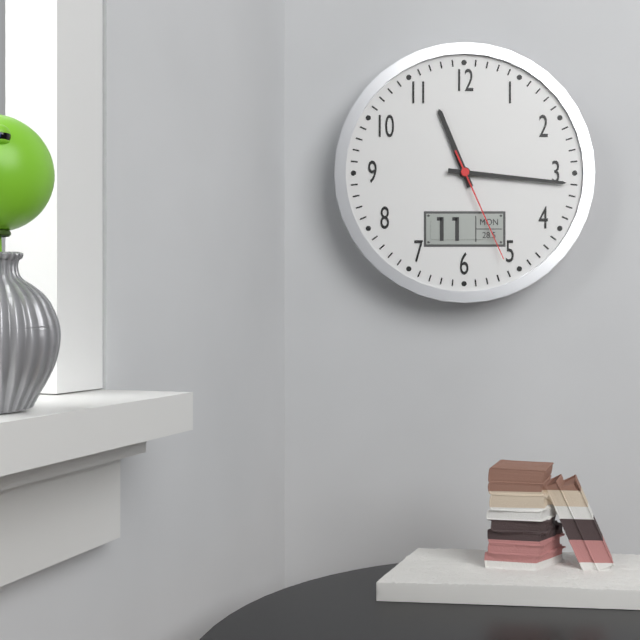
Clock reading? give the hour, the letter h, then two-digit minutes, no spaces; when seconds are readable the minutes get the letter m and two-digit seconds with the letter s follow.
11h16m26s
